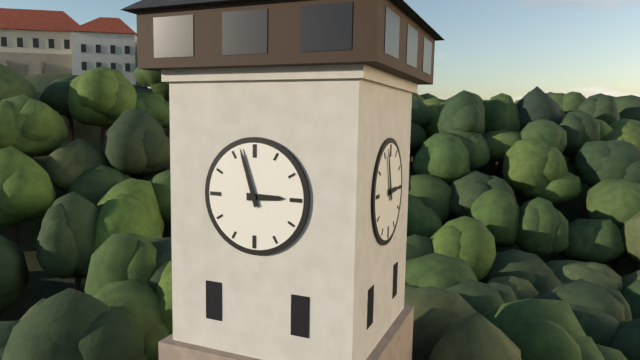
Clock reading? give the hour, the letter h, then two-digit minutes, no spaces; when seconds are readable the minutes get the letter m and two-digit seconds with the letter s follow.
2h57
